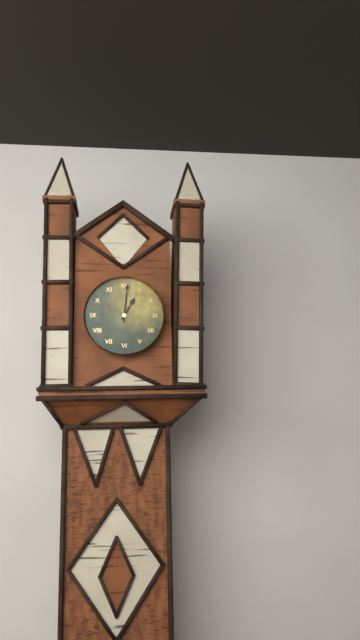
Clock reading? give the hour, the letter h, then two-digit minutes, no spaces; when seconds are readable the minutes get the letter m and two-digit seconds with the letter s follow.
1h01
